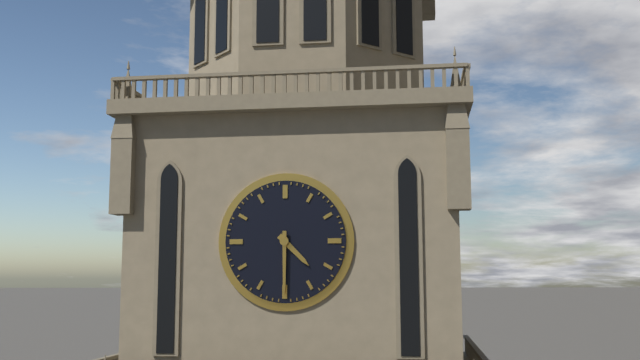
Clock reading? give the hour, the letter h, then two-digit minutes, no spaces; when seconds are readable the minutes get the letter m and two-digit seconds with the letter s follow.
4h30
